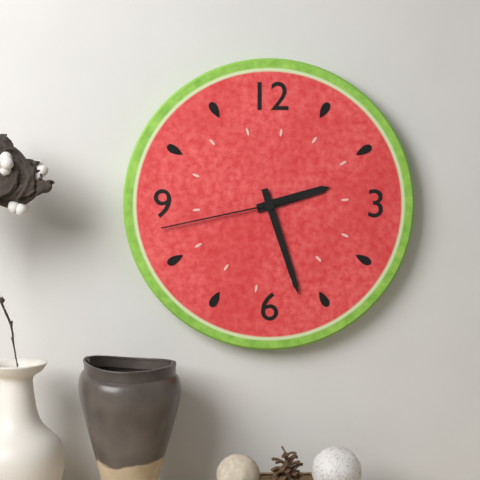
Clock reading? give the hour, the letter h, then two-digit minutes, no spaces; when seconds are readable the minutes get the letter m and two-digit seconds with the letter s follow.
2h27m43s
